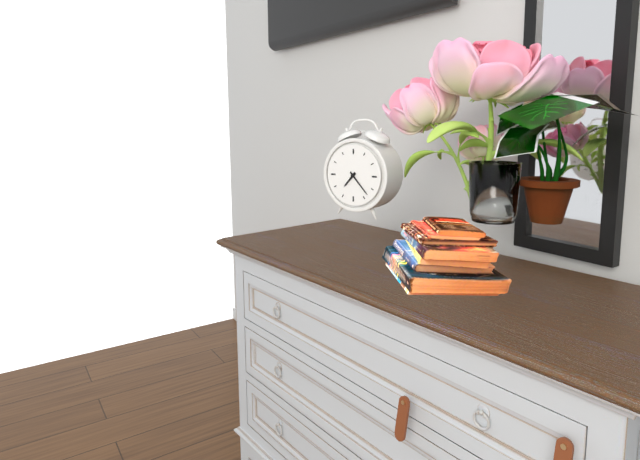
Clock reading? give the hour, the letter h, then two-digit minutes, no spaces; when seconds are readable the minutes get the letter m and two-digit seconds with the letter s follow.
7h23
